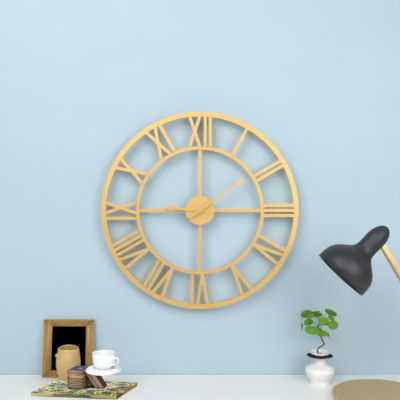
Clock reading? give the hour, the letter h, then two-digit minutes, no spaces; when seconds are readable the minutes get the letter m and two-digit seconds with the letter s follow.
9h09
